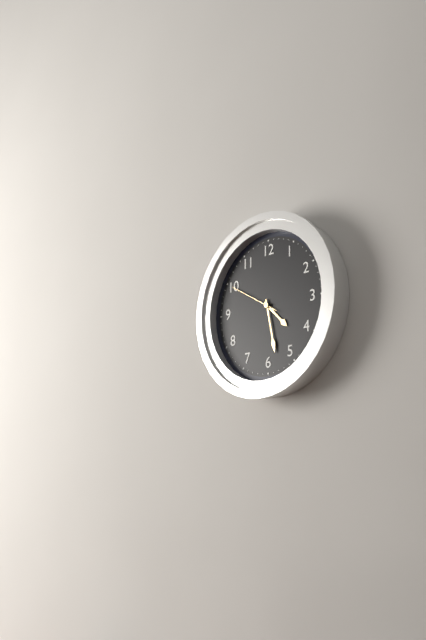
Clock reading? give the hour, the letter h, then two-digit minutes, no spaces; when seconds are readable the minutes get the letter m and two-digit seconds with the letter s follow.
4h28
